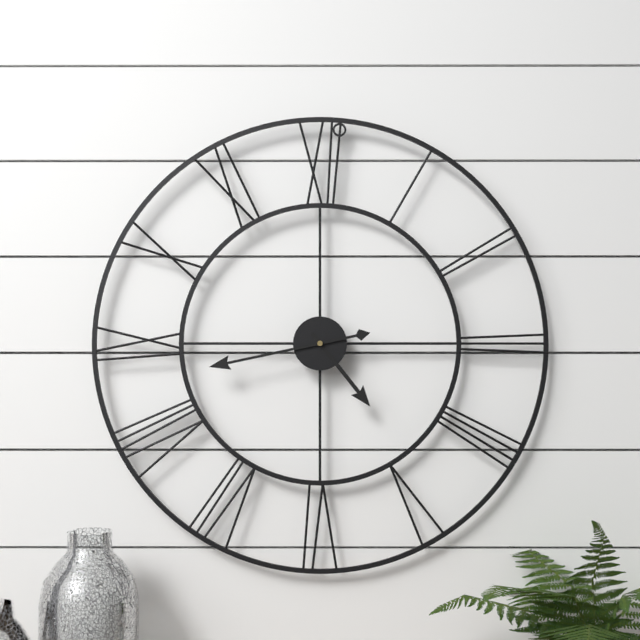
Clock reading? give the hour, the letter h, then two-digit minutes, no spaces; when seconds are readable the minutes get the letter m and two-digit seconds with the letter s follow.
4h43
